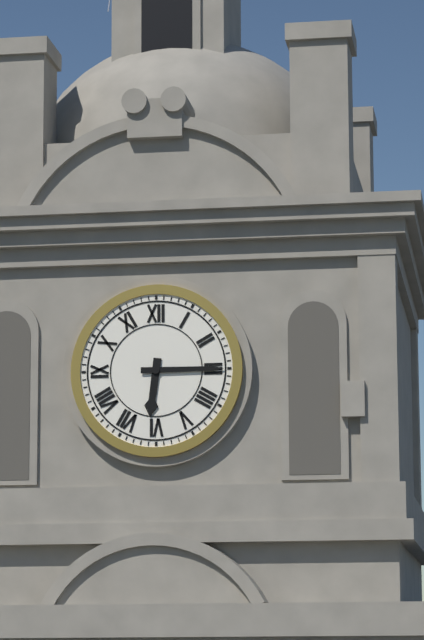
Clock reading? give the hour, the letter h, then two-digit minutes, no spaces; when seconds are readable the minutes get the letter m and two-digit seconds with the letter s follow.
6h15
